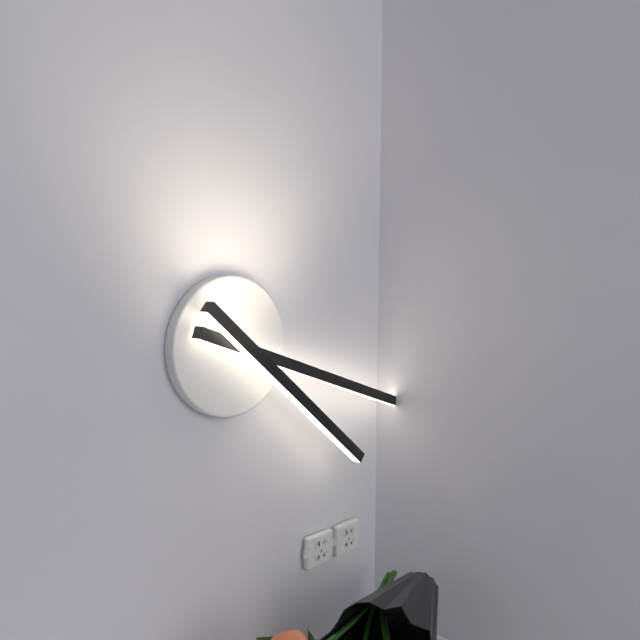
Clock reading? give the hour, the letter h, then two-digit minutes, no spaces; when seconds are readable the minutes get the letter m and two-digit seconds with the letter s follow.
4h18
